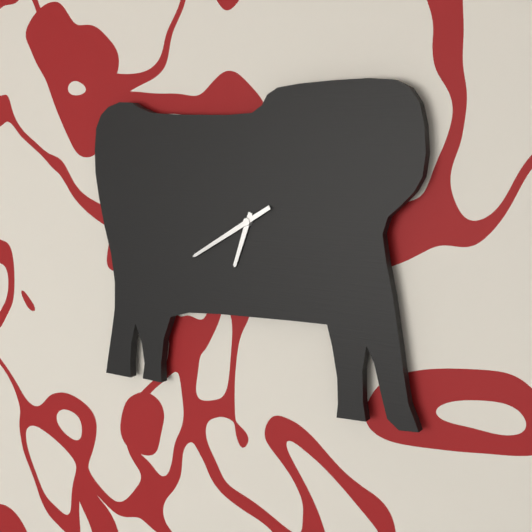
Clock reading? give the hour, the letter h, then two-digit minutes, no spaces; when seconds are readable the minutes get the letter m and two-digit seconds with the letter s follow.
6h40
